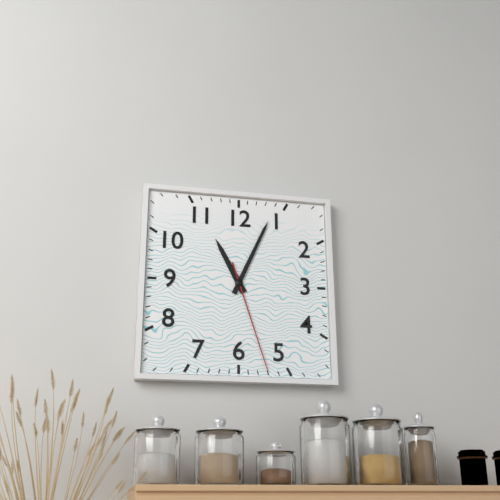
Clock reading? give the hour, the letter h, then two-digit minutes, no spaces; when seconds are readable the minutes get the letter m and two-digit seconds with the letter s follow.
11h04m27s
